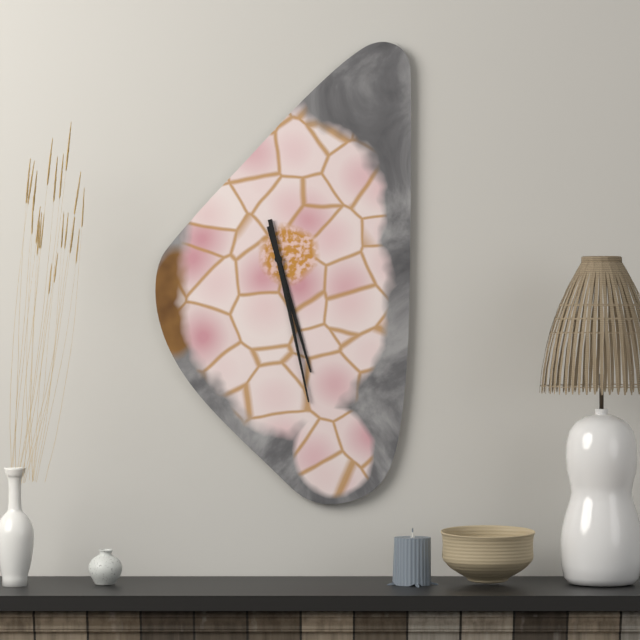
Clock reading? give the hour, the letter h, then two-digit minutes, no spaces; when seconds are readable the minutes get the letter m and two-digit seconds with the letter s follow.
5h28
